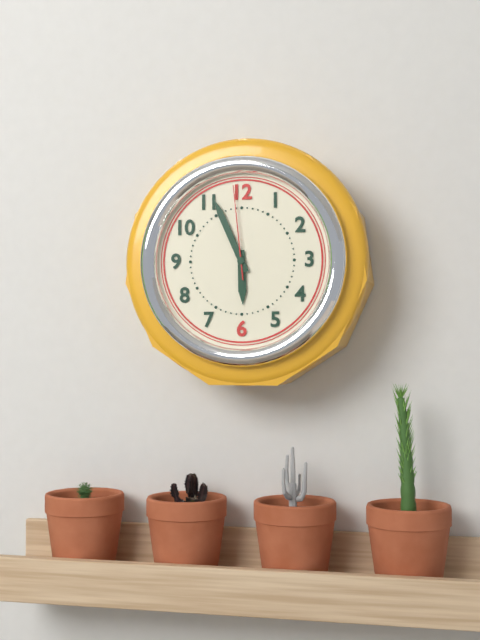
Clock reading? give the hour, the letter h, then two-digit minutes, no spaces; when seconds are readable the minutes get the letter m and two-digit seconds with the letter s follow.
5h56m59s
